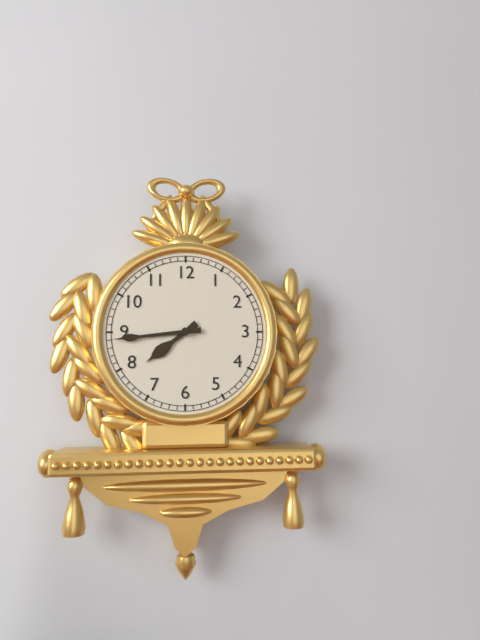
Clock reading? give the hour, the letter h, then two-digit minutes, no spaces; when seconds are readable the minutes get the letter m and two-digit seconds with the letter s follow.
7h44
